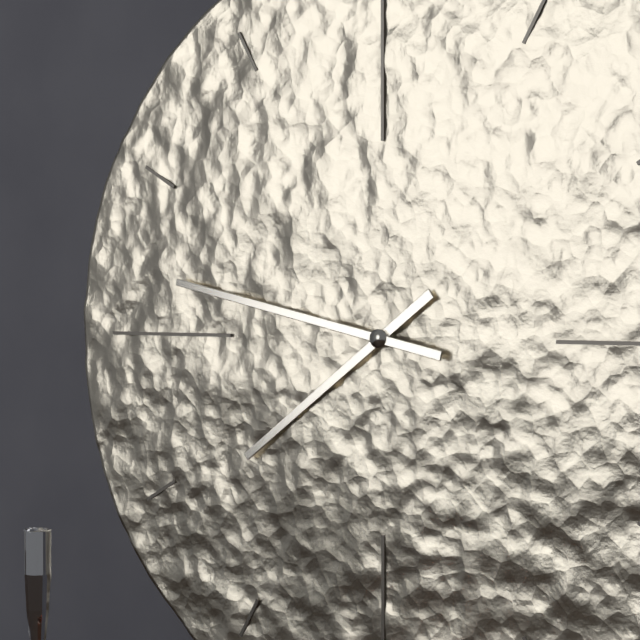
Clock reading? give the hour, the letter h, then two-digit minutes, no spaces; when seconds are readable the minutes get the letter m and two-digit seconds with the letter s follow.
7h47
